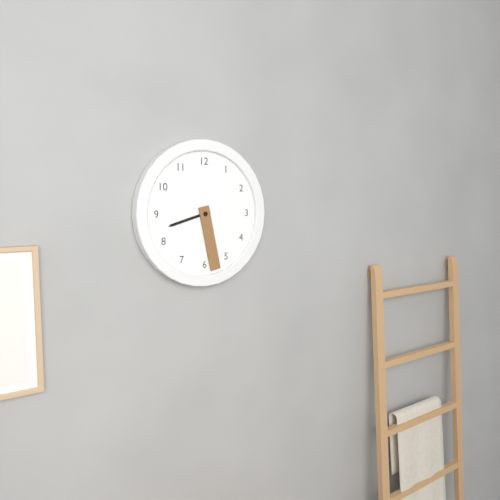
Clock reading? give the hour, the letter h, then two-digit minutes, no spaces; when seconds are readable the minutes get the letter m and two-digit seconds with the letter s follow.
8h28
